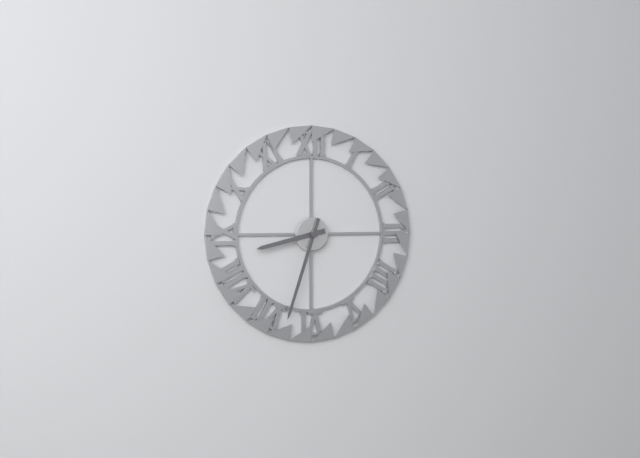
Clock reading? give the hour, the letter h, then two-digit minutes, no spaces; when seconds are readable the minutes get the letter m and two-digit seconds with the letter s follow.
8h33
